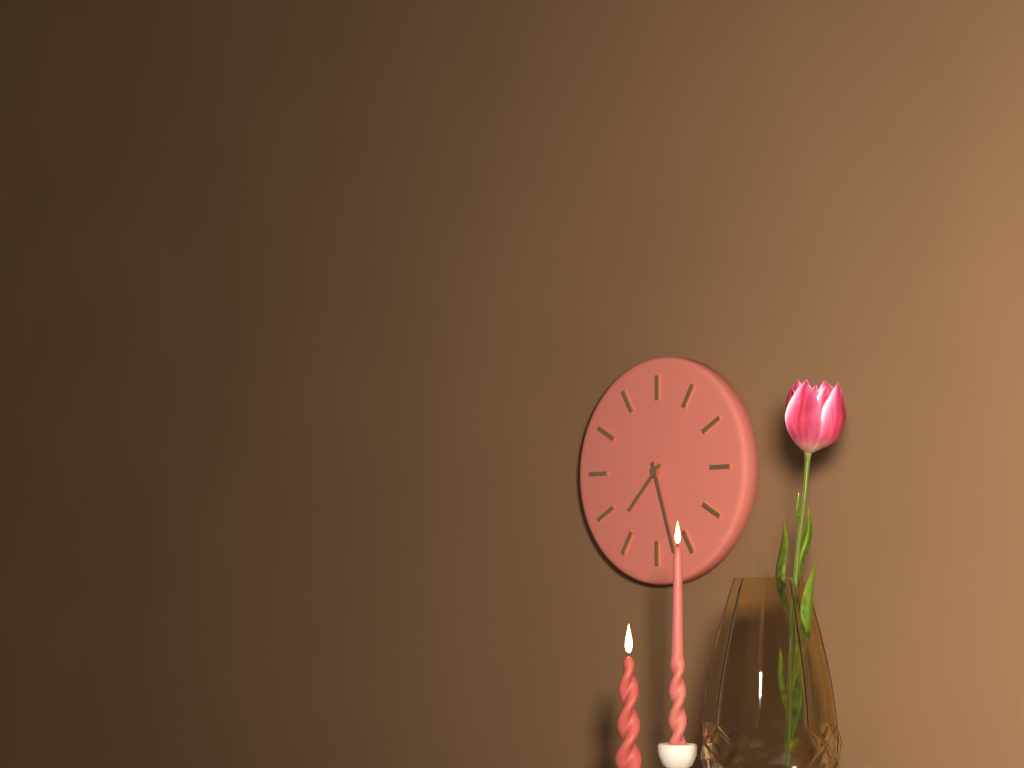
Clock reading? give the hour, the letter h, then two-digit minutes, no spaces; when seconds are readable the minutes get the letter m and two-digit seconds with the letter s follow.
7h27
